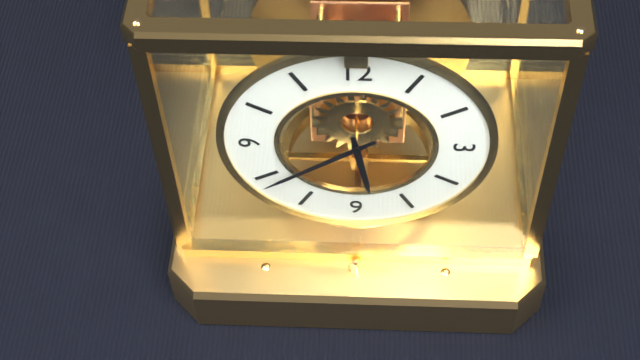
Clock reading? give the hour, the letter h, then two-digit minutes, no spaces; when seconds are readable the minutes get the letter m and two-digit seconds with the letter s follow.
5h39
